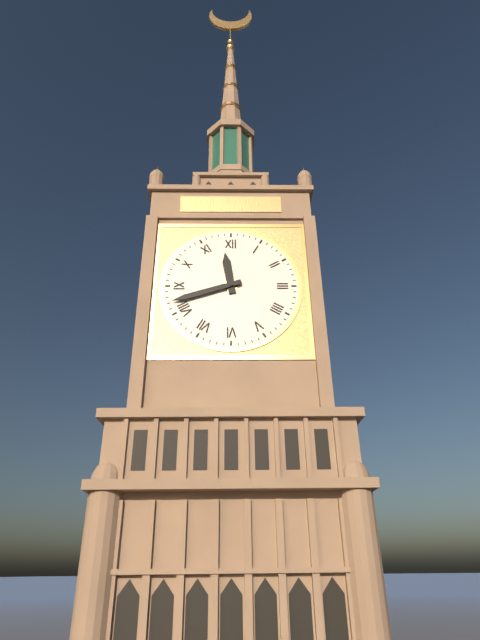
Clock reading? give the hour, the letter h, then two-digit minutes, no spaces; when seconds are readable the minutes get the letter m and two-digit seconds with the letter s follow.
11h42
